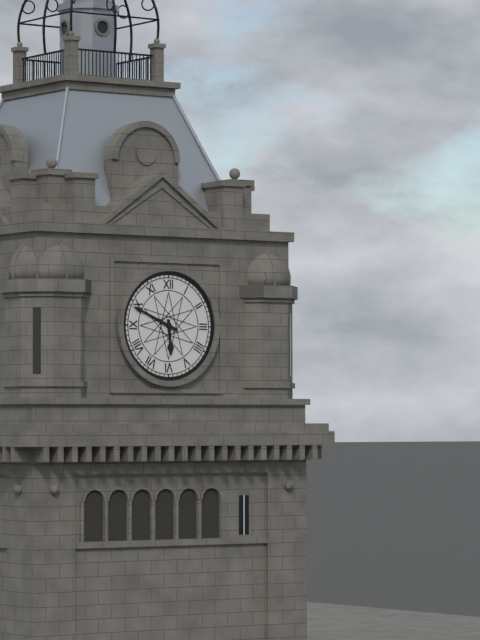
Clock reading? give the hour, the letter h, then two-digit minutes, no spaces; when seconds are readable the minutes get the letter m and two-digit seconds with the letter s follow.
5h49
